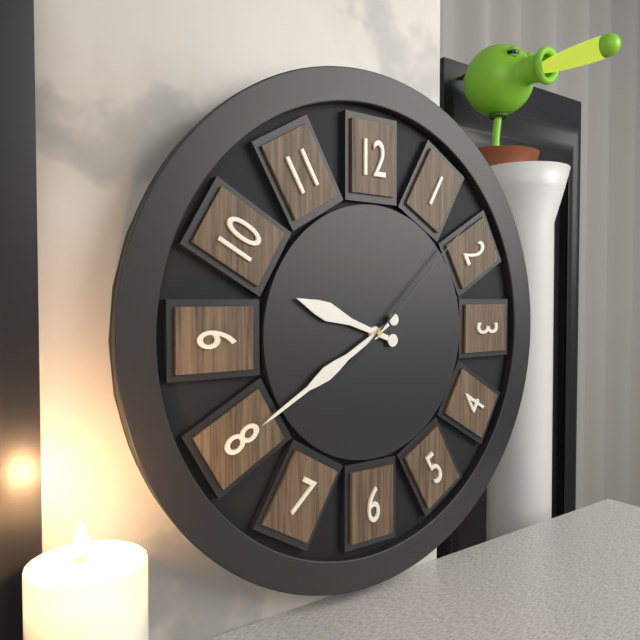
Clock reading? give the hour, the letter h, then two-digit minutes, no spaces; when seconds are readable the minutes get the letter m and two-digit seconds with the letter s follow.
9h40m08s
